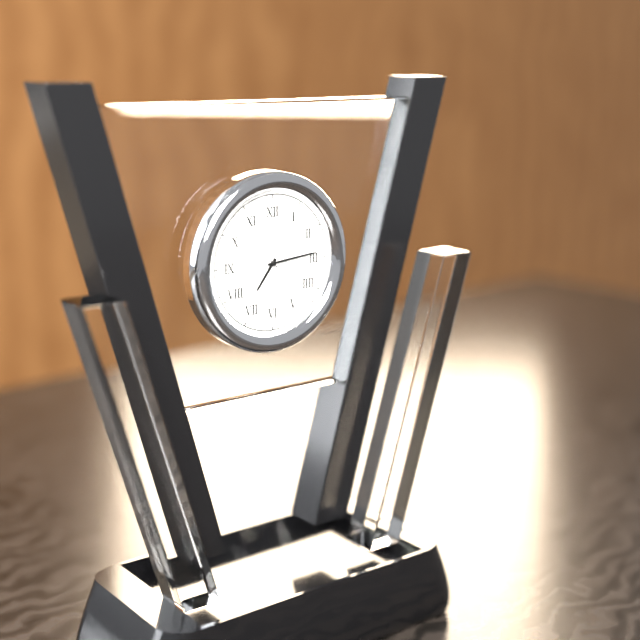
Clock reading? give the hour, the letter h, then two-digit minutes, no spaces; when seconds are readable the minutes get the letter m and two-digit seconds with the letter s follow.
7h14m52s
